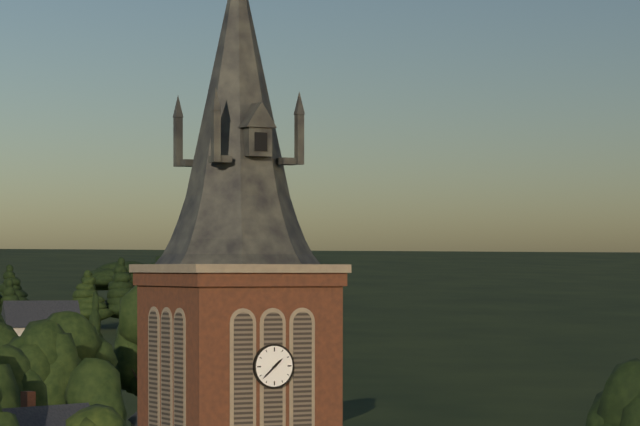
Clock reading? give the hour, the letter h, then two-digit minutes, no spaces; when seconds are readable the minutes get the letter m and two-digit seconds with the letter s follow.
1h38
